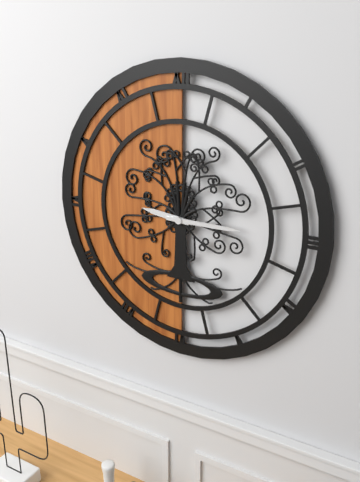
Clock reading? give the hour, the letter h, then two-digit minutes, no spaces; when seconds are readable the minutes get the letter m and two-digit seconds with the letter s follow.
9h15
